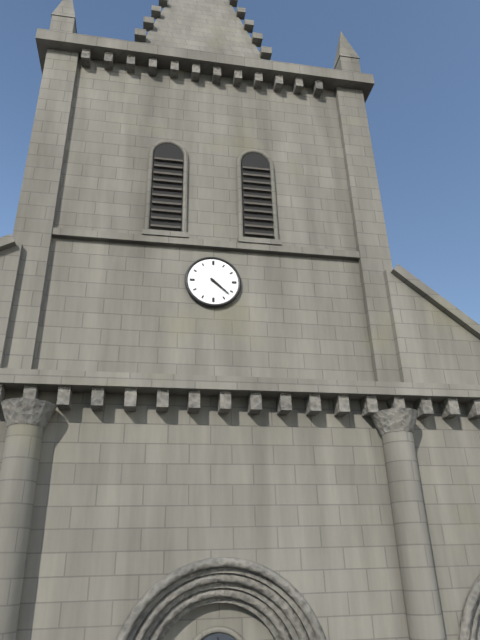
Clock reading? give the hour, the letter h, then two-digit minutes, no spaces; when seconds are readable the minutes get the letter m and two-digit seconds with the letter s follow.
4h22
